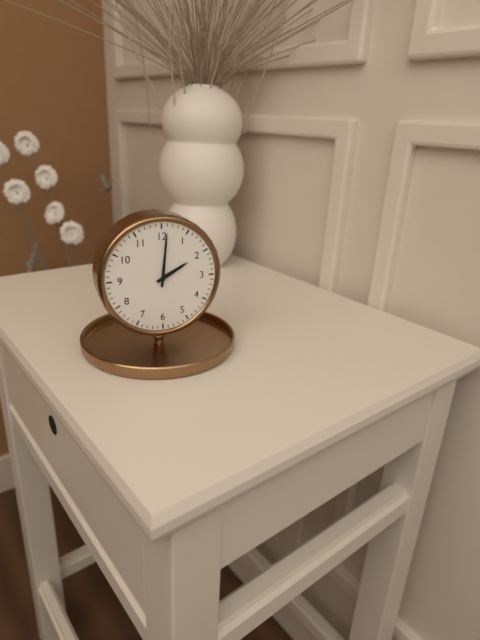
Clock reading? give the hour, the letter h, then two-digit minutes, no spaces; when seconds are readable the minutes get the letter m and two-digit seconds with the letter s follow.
2h01
